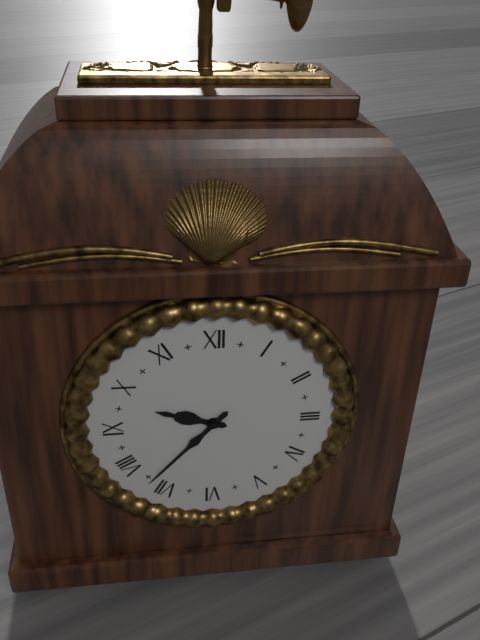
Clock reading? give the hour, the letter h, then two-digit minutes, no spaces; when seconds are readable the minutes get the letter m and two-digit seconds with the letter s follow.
9h37
